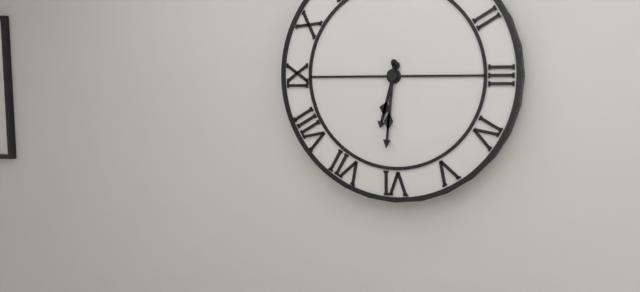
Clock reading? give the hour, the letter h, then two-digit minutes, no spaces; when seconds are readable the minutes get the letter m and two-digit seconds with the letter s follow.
6h31
